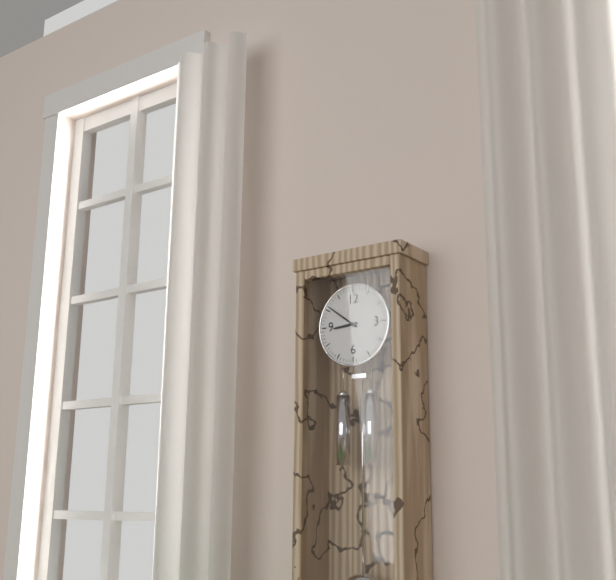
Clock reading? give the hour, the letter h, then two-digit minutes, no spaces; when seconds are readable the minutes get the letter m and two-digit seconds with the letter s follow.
8h51
